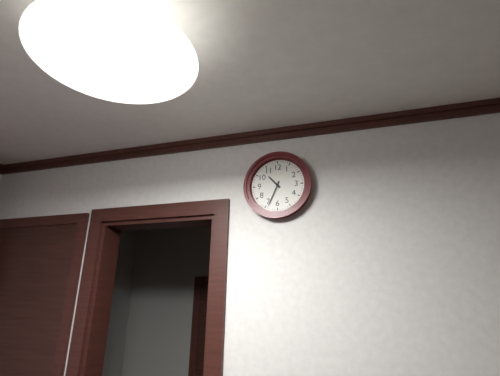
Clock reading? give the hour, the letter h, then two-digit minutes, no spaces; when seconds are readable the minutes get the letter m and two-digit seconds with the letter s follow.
10h34
